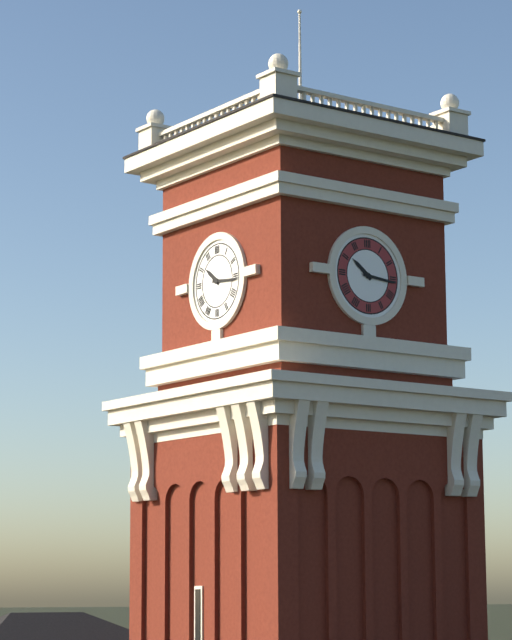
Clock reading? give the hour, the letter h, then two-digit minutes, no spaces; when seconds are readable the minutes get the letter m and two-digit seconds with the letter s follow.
10h16
